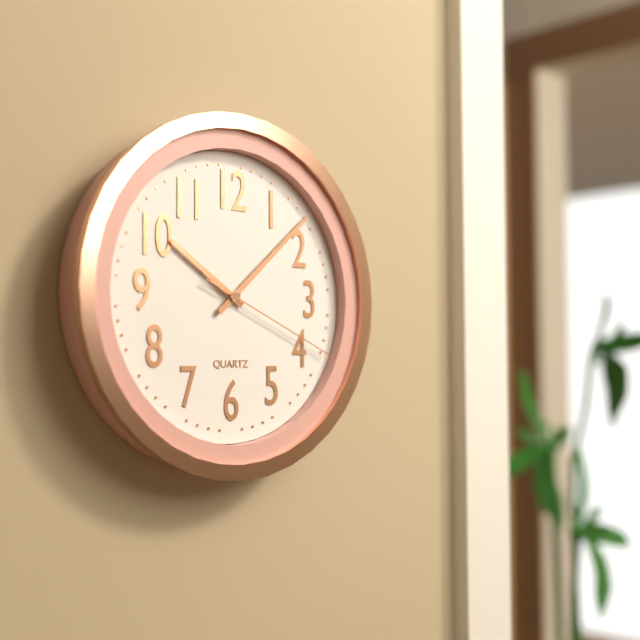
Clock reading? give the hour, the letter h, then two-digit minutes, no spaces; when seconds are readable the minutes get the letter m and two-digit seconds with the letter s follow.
10h08m19s
